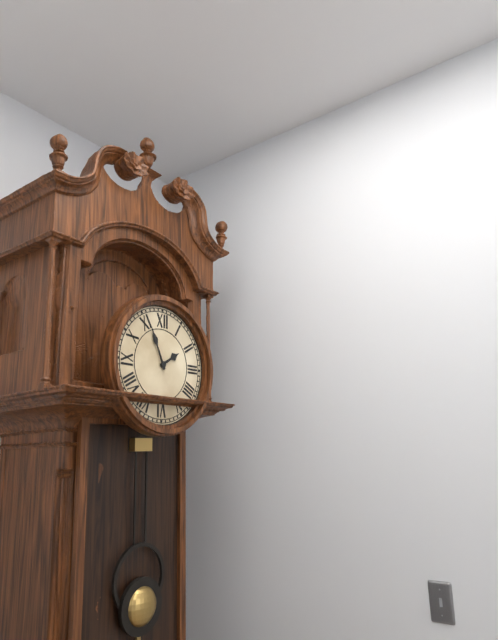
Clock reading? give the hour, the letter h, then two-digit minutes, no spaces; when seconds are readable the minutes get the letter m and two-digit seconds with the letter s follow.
1h56
